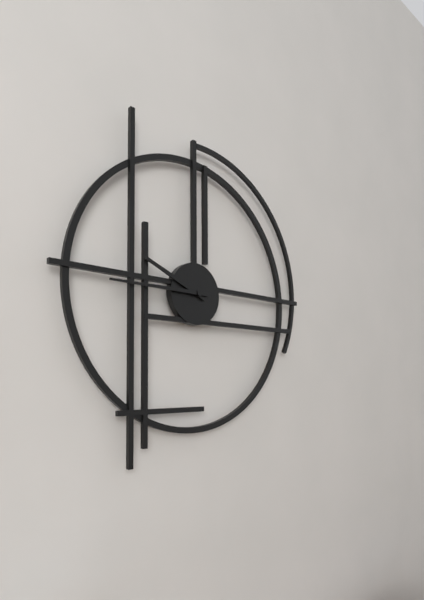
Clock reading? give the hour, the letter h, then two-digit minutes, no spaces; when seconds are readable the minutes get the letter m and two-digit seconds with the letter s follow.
9h45
